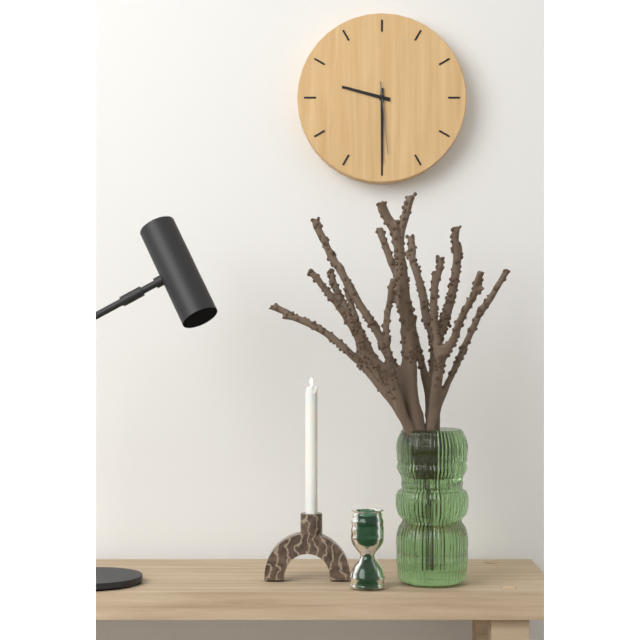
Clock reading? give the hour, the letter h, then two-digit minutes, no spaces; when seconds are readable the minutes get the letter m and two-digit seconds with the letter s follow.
9h30m29s
